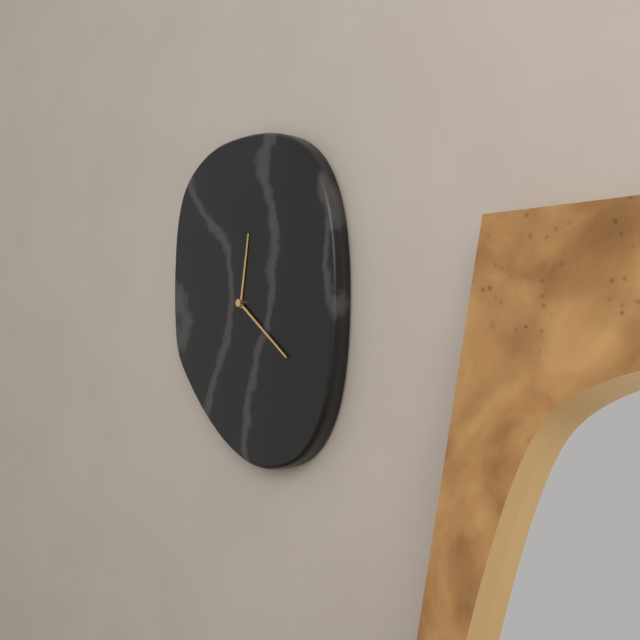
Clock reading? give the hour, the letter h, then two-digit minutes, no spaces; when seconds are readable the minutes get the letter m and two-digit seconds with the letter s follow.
12h21
